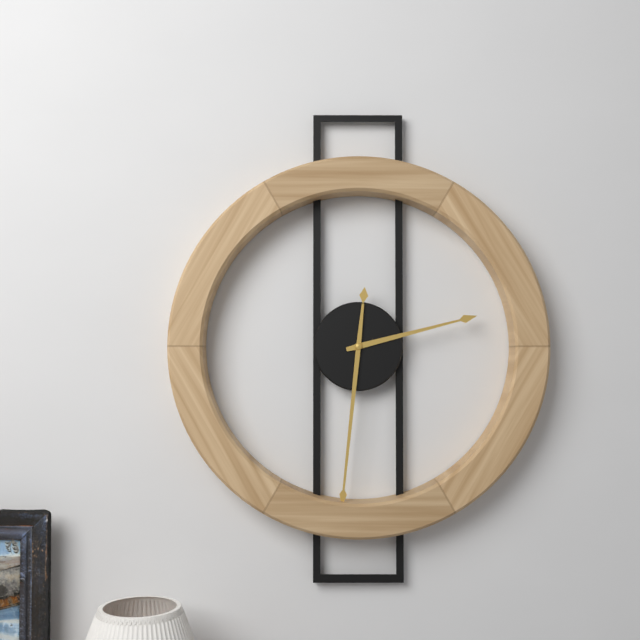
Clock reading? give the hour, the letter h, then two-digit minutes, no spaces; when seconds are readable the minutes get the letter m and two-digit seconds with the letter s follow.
2h31
